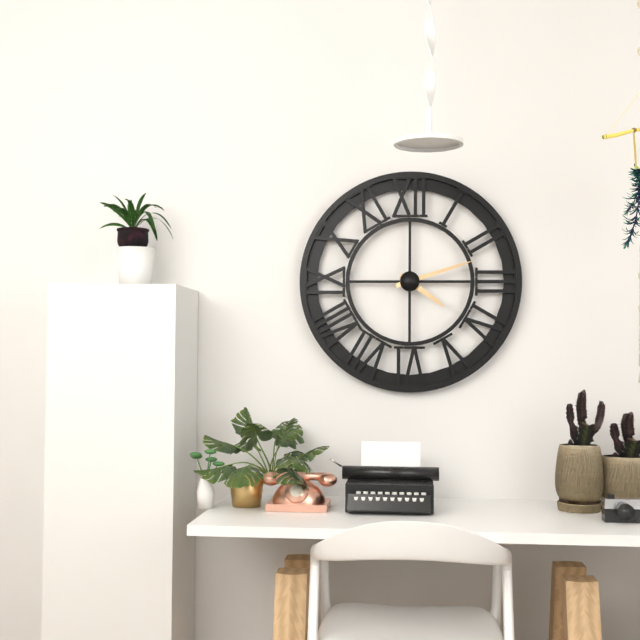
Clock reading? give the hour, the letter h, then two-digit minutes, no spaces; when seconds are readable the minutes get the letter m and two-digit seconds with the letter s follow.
4h12
